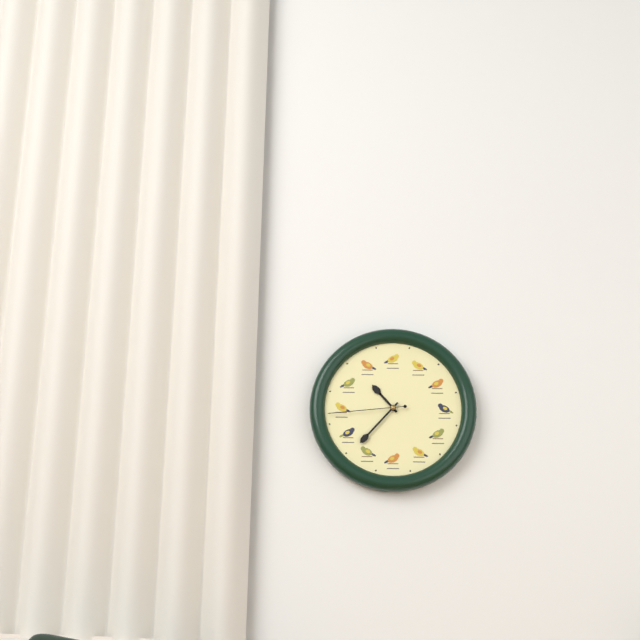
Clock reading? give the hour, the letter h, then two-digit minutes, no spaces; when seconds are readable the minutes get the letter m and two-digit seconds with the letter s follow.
10h37m44s
